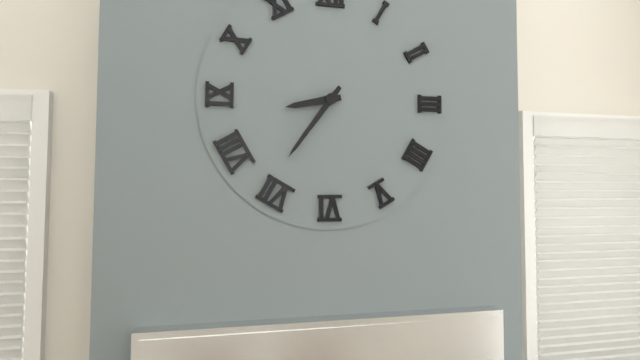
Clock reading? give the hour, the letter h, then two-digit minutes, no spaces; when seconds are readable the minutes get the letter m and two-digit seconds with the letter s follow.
8h36
